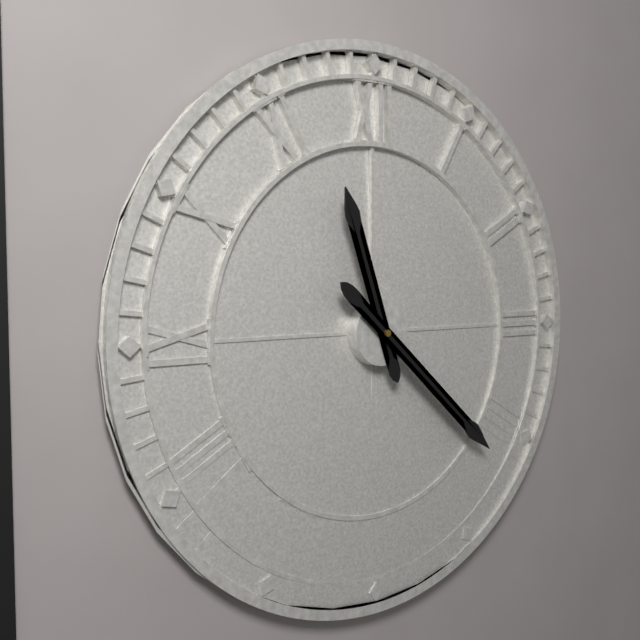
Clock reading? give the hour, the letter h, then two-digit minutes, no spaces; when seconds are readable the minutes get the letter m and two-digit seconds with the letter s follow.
11h22
